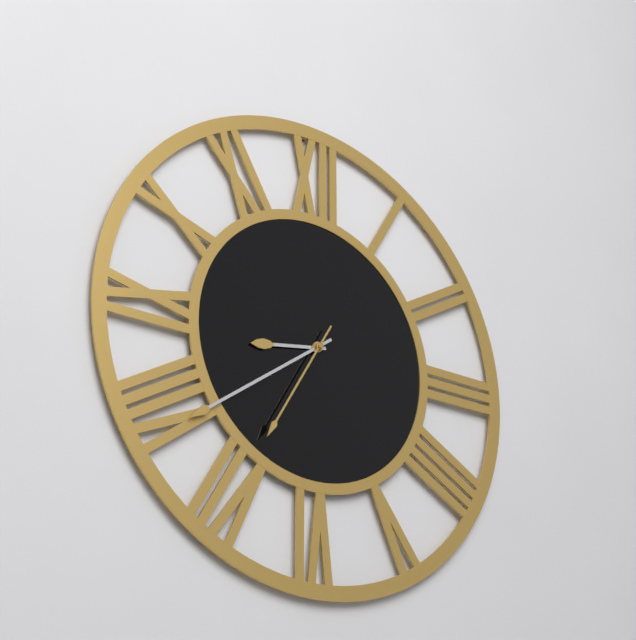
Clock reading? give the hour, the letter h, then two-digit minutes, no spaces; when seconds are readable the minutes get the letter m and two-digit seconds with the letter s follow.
8h39m35s
